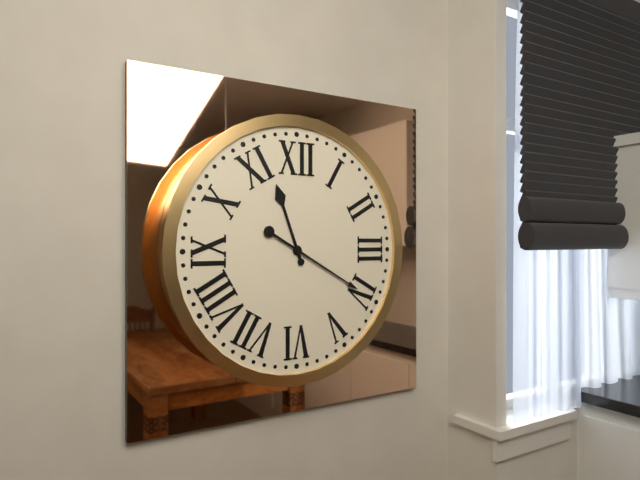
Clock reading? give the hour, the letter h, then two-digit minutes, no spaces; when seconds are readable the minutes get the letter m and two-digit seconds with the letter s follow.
11h20
